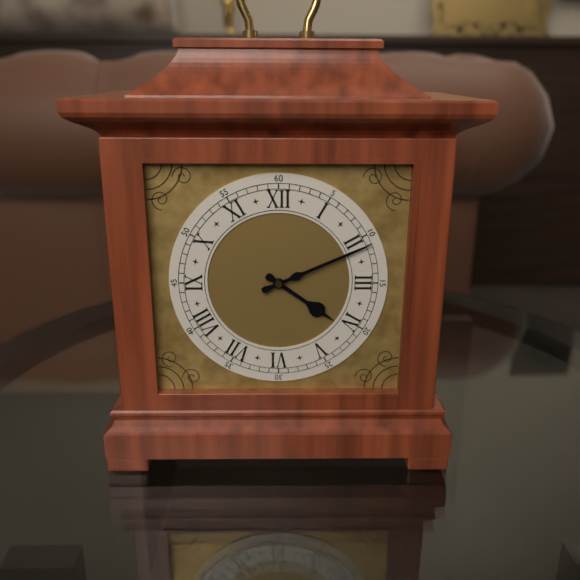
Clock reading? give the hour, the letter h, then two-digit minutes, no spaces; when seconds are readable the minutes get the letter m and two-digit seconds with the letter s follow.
4h11
